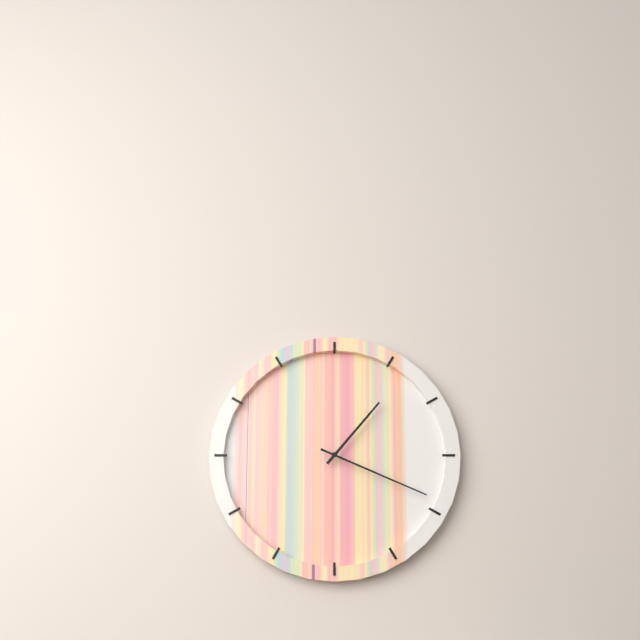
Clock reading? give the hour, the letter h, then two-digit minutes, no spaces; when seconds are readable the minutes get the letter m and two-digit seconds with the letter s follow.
1h19
